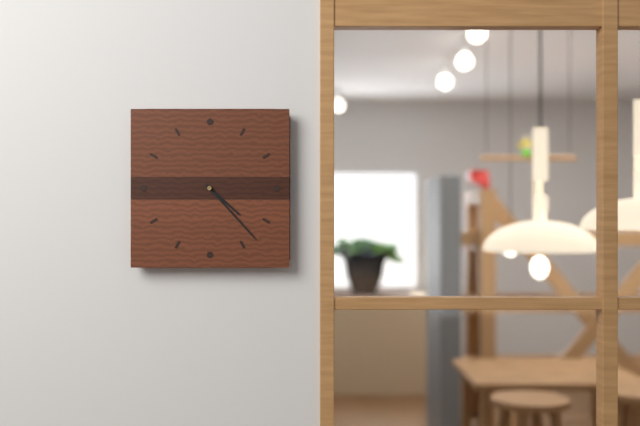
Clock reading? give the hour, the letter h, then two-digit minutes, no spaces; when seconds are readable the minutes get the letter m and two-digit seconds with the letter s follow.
4h23
